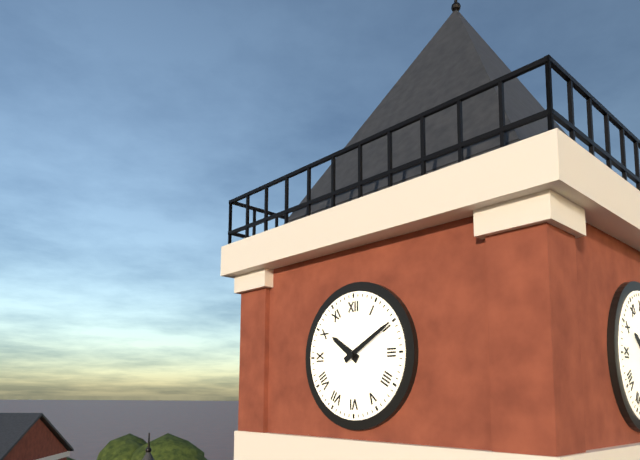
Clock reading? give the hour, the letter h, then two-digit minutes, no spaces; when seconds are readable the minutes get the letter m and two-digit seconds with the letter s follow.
10h10
